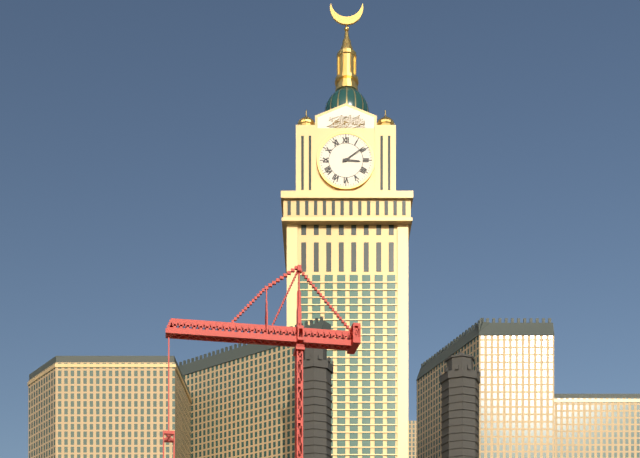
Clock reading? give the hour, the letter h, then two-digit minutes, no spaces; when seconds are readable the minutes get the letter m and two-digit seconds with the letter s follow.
3h09
